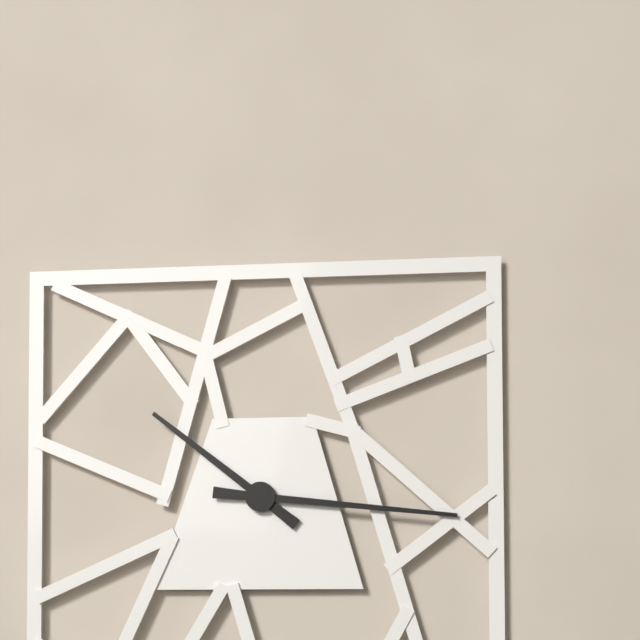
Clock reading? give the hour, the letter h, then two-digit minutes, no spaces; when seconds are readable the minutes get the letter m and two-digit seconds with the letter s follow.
10h16
